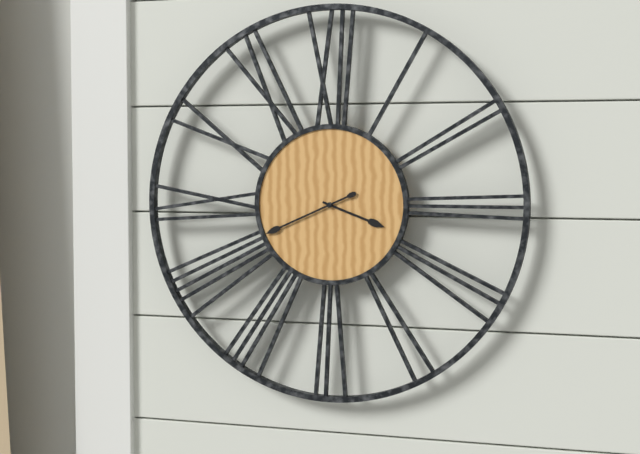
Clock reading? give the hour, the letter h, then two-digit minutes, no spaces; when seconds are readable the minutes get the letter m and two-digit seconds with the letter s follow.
3h41
